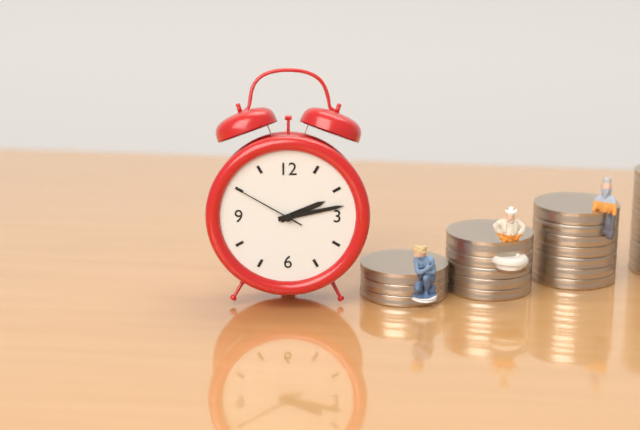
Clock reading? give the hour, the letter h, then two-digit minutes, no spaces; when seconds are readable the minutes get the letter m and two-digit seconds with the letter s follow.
2h13m50s
